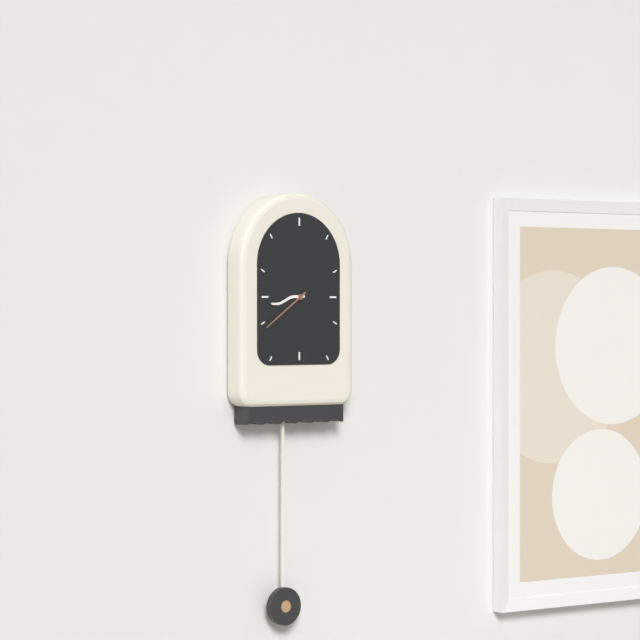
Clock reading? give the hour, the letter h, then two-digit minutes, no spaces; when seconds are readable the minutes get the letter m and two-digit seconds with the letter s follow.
8h39
